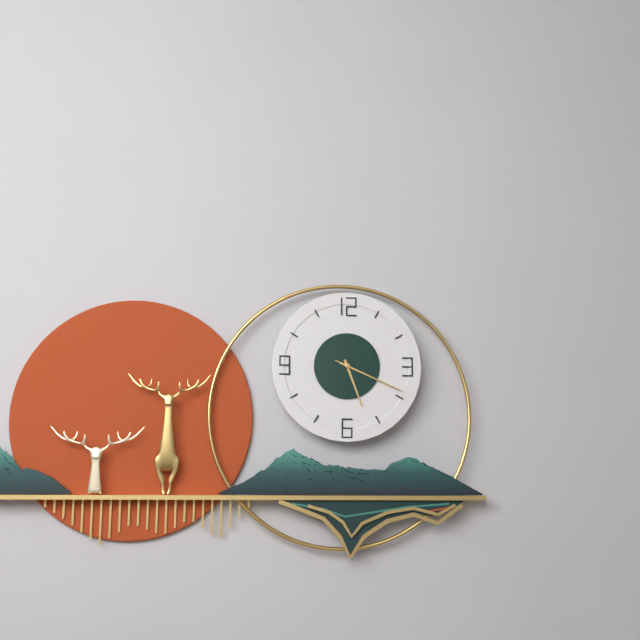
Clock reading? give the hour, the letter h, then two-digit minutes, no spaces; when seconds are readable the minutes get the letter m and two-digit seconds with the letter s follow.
5h19m19s
